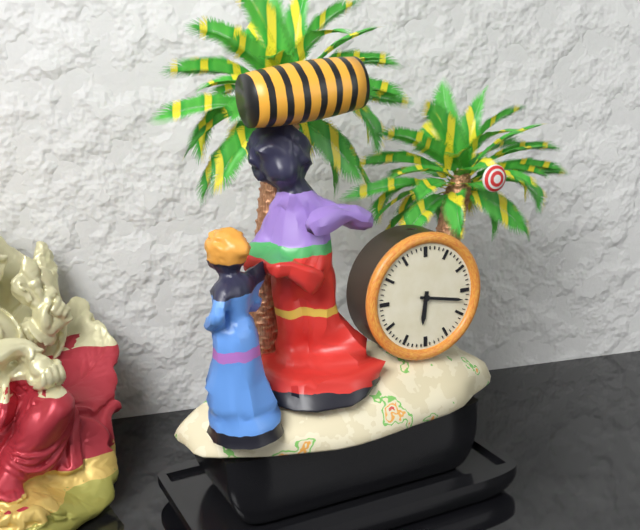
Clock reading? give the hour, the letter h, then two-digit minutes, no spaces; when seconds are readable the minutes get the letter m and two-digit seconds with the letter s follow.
6h17
